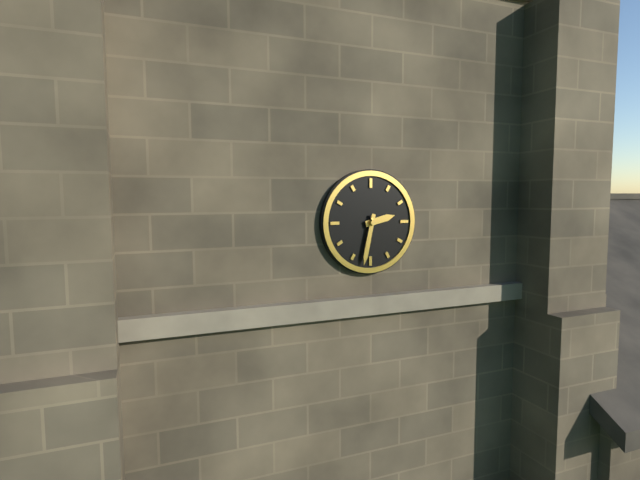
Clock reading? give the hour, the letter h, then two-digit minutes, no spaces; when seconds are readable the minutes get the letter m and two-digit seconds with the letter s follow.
2h32
